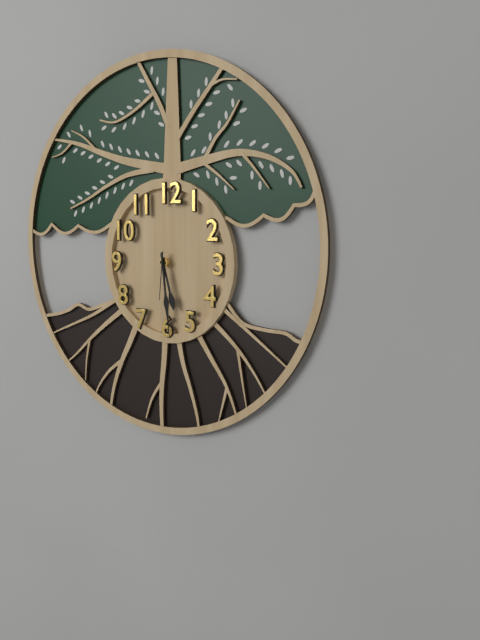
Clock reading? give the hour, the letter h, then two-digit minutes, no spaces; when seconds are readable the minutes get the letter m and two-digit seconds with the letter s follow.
5h29
